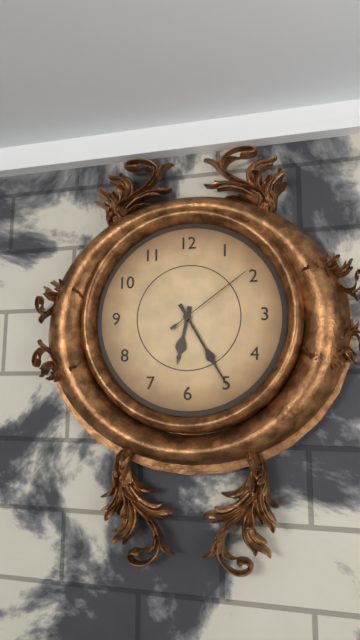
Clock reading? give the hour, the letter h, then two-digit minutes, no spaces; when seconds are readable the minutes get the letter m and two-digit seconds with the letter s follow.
6h25m09s
